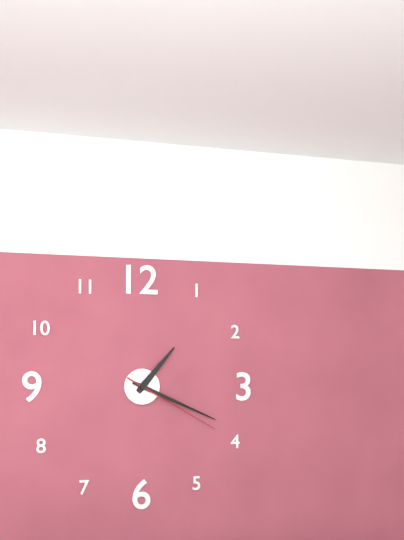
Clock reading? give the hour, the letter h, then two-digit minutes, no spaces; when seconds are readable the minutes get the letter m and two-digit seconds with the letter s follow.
1h19m20s
